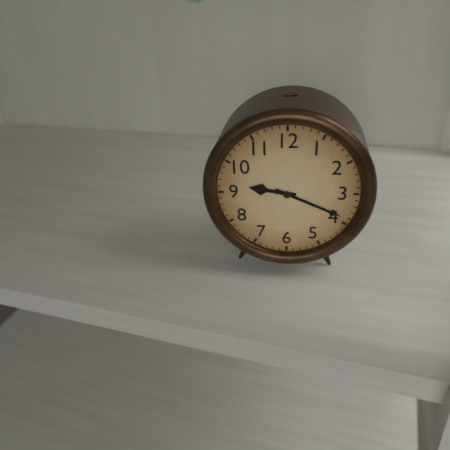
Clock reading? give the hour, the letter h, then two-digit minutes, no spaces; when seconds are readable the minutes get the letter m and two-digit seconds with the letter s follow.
9h19
